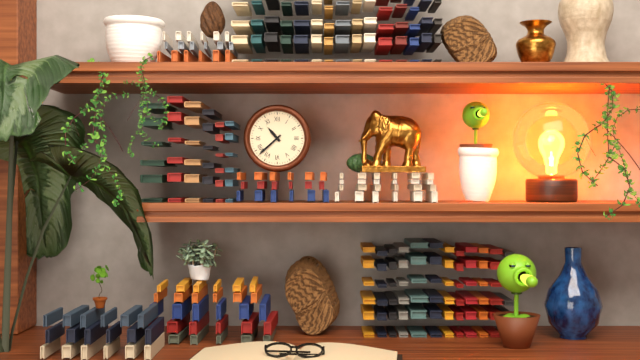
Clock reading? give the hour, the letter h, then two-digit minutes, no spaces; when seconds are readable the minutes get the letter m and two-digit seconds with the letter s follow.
10h38
